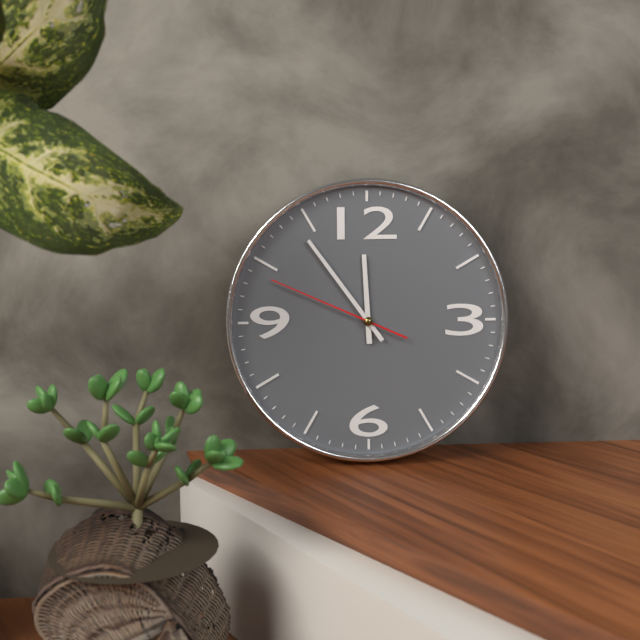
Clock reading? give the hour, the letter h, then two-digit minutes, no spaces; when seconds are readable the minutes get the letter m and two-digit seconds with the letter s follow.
11h54m49s
